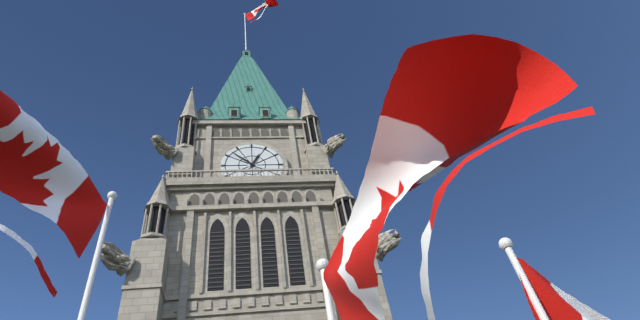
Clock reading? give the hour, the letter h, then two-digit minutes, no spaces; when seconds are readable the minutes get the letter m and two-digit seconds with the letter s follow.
12h52
